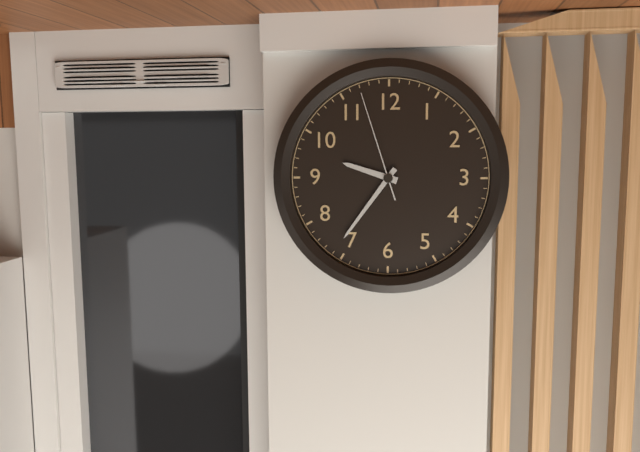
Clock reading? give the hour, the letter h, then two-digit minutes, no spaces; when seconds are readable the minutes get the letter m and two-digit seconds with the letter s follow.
9h36m57s
